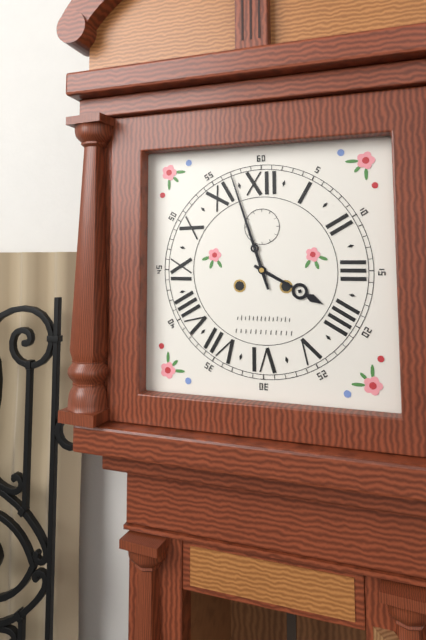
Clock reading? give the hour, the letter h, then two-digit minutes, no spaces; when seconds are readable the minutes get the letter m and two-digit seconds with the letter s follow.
3h57
